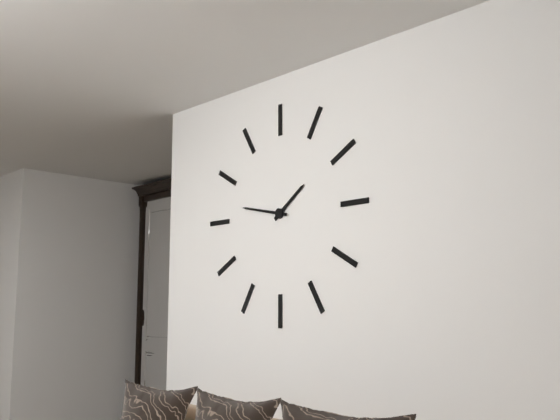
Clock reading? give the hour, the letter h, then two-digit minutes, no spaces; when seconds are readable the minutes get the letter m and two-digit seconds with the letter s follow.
1h47
